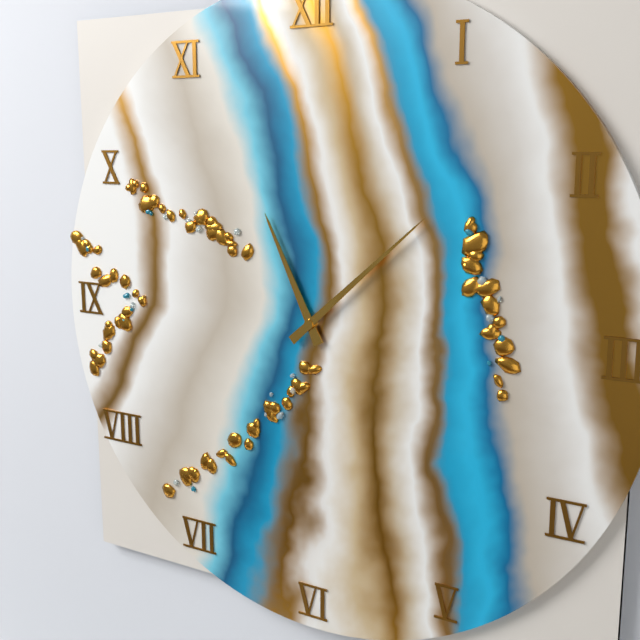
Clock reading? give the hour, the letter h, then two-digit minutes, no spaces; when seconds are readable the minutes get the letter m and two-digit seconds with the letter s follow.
11h08
